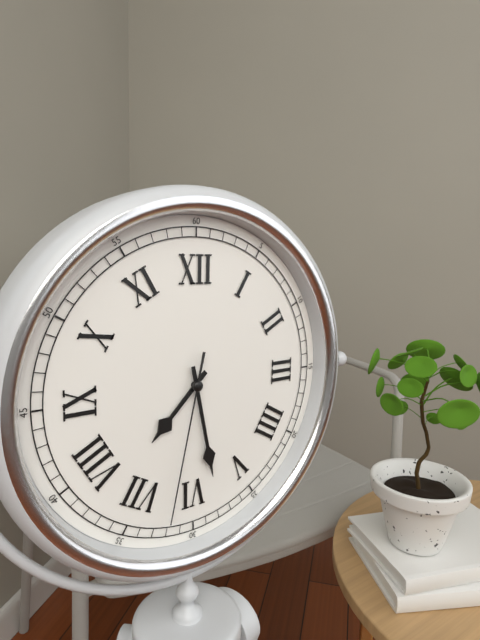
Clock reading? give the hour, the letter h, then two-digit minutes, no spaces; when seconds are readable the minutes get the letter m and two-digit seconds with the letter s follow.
7h28m32s
